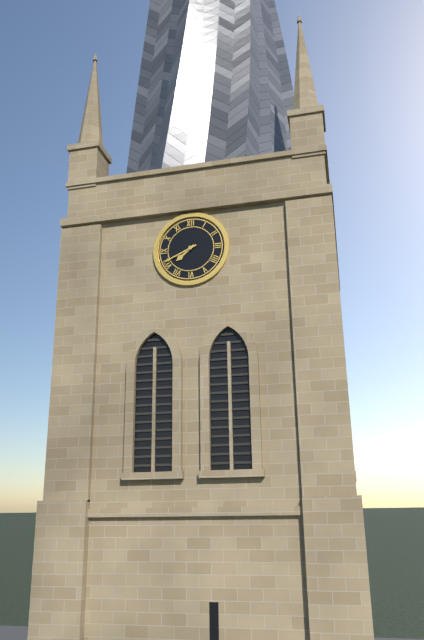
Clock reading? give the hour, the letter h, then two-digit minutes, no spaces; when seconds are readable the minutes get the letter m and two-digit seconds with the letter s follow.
7h41
